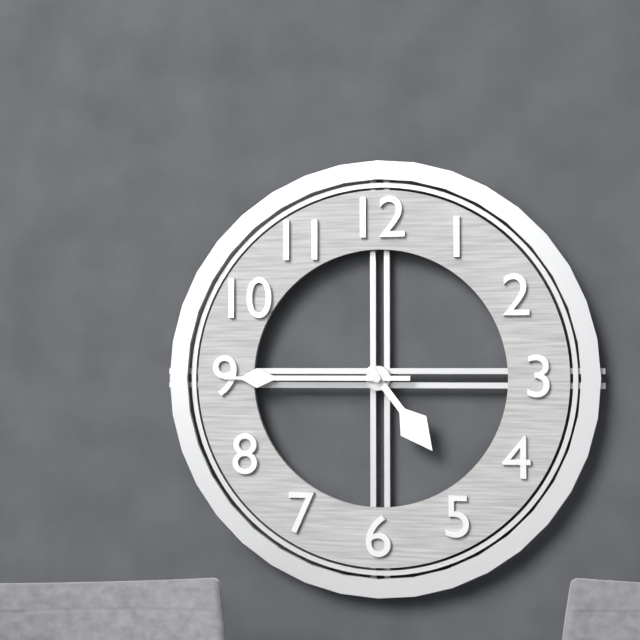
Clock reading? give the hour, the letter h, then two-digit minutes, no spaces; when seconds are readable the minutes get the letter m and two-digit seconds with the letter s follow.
4h45
